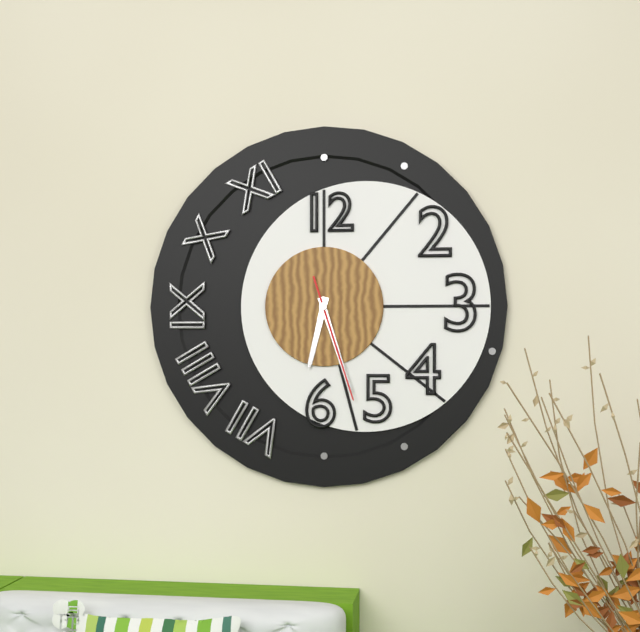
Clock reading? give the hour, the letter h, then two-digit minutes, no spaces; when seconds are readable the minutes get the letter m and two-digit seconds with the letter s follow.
6h27m27s
